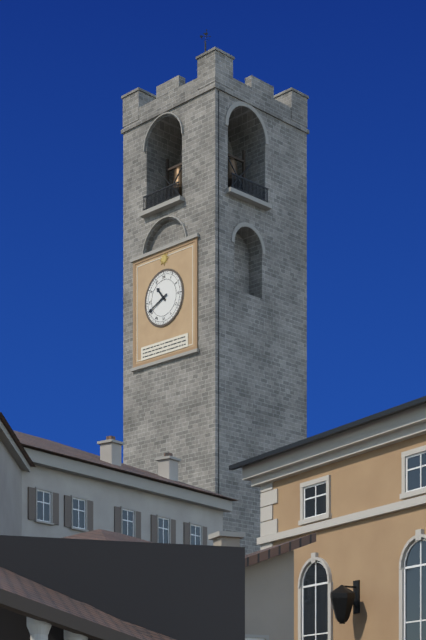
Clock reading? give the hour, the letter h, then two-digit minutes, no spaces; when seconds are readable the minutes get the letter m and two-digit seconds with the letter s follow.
10h41
